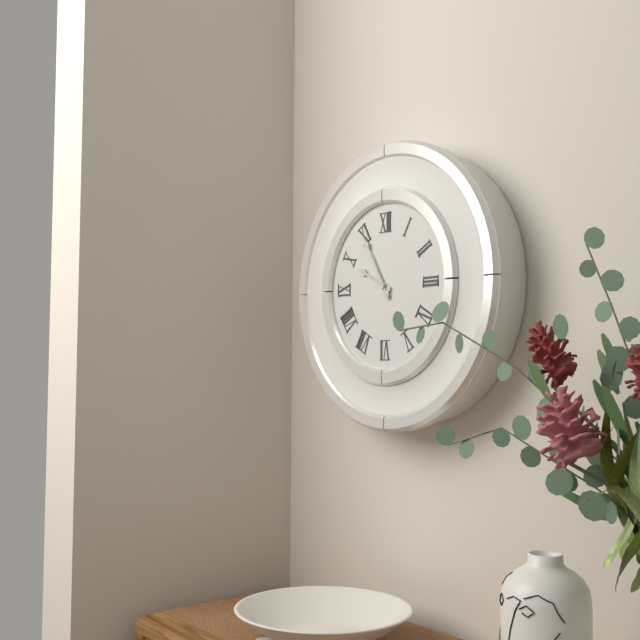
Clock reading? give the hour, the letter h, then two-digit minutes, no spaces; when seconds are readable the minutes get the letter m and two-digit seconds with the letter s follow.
9h55
